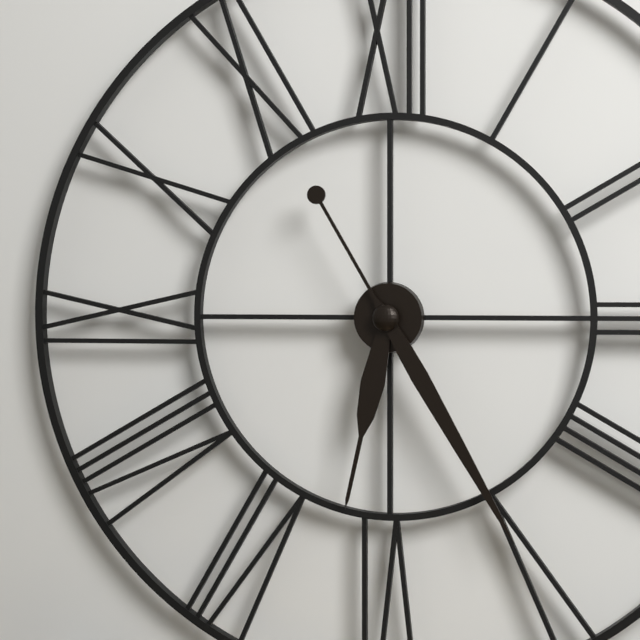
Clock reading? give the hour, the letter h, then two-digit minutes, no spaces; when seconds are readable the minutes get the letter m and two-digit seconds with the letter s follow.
6h25
